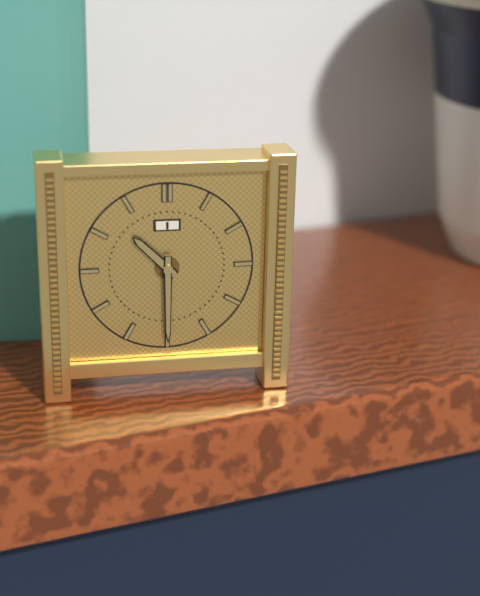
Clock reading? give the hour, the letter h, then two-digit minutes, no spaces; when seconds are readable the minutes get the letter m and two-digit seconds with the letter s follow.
10h30
